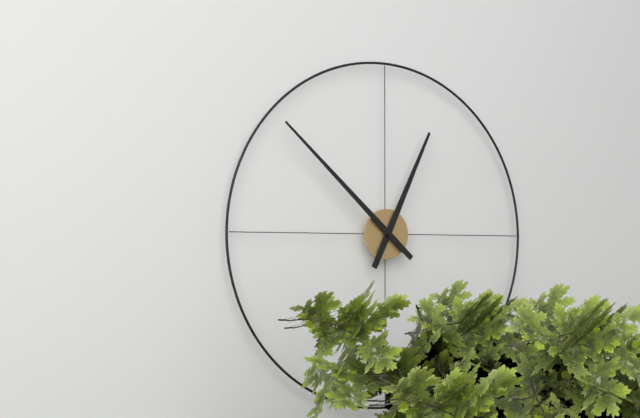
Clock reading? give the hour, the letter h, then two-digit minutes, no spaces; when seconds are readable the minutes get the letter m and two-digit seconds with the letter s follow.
12h52
